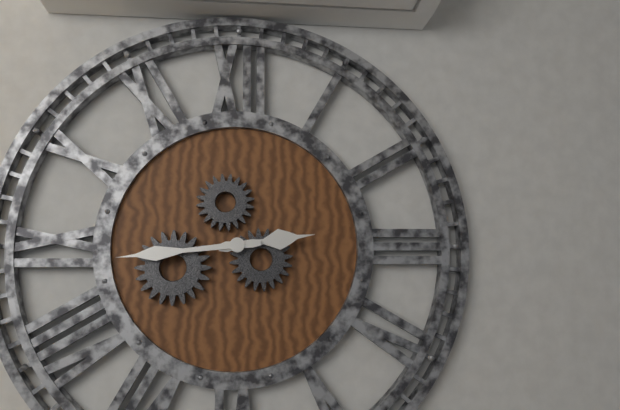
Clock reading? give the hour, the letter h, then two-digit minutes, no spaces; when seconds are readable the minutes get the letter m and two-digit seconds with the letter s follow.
2h44
